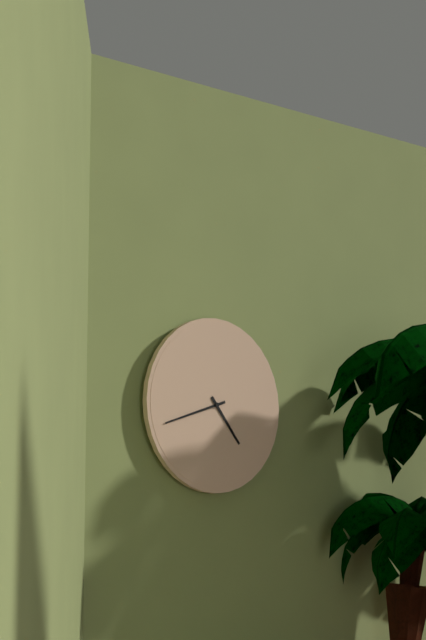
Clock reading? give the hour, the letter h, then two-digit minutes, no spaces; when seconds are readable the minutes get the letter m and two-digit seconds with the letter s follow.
4h42
